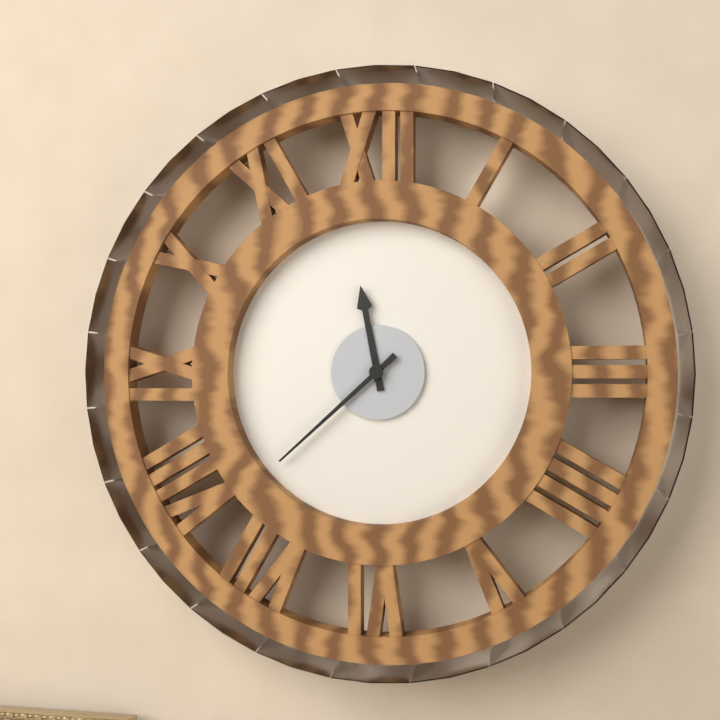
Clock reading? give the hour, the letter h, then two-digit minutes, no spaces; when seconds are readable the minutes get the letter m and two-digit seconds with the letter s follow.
11h38
